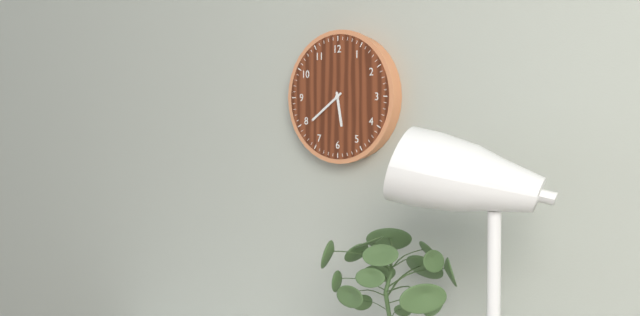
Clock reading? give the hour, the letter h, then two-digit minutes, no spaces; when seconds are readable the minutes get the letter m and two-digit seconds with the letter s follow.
5h39
